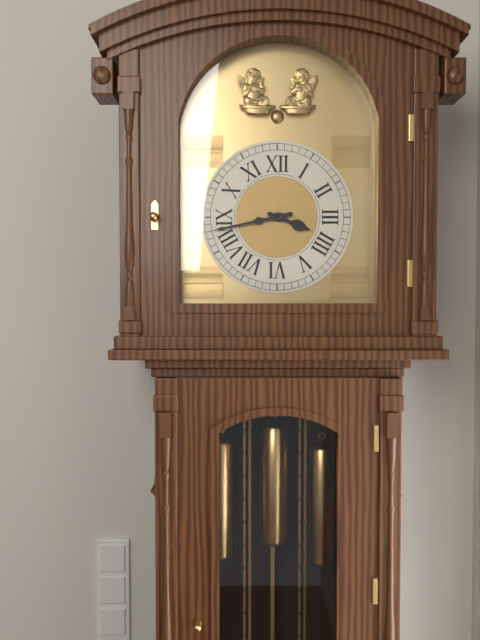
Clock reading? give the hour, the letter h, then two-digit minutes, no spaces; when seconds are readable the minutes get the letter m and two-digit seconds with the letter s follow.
3h43
